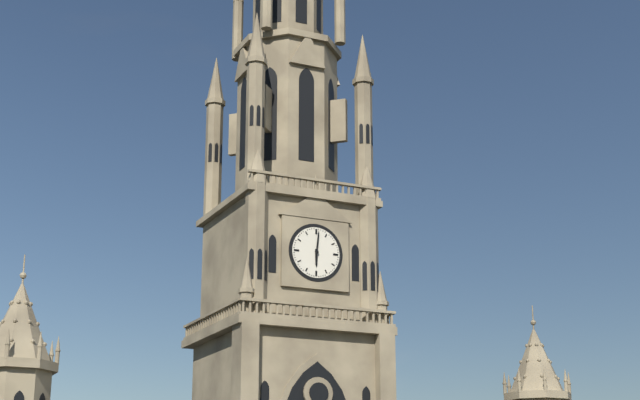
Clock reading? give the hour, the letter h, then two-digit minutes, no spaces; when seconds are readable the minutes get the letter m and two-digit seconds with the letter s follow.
6h01
